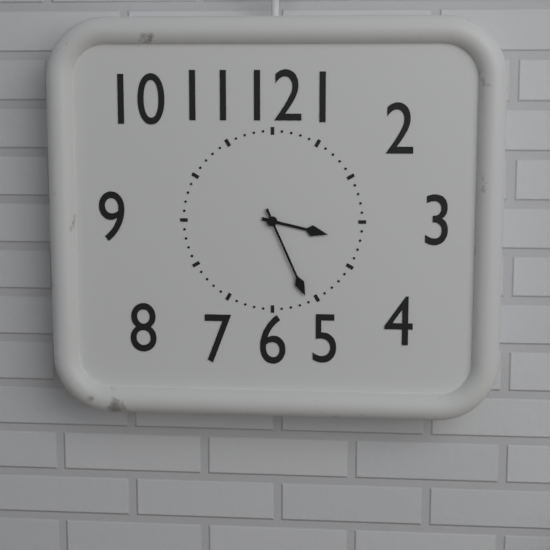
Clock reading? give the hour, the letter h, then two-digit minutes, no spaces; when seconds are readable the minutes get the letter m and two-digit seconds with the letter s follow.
3h26
